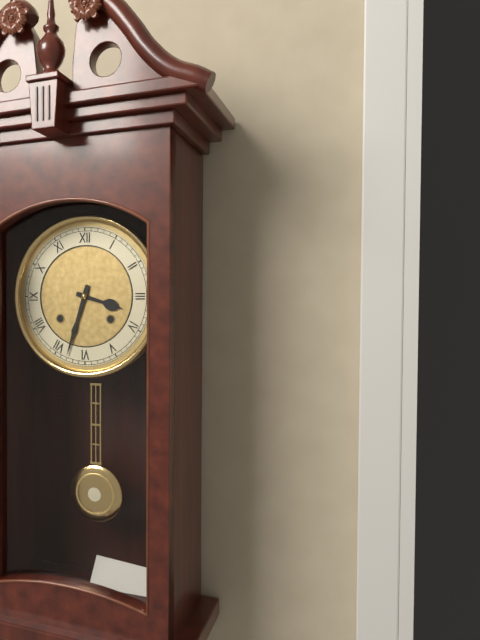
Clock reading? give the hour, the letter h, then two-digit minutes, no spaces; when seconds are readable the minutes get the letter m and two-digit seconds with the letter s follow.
3h33
